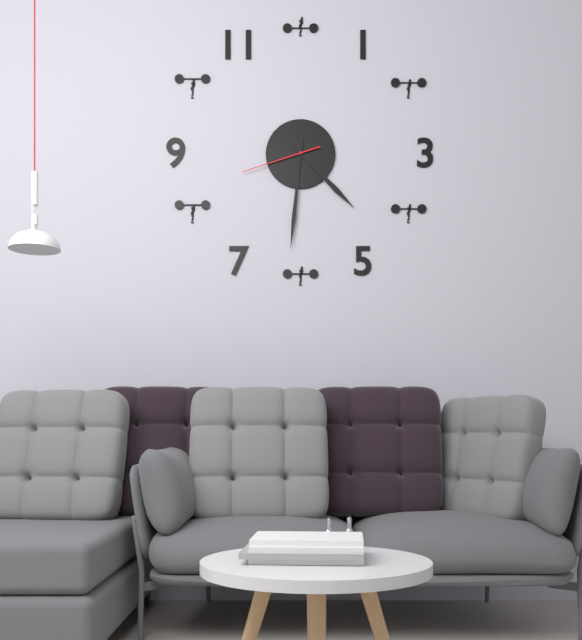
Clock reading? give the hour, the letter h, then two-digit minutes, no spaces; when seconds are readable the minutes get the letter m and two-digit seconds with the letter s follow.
4h31m42s
